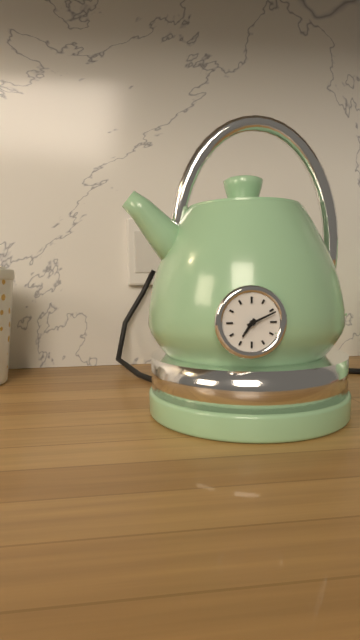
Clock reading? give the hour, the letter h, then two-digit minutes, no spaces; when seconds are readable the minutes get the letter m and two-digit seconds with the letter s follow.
7h11
